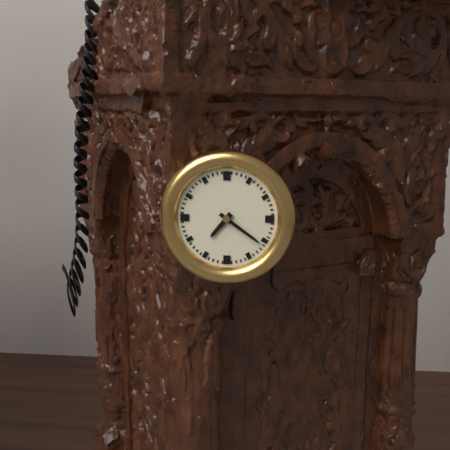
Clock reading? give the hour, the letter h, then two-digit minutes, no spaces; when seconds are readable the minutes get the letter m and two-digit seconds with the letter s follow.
7h21
